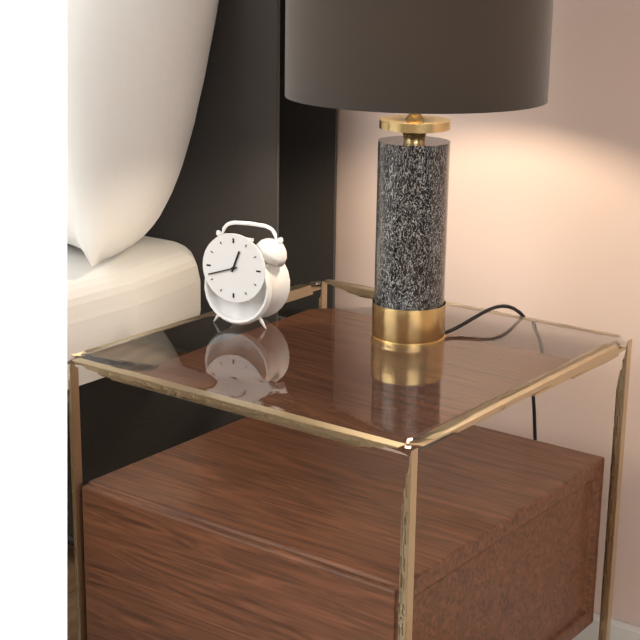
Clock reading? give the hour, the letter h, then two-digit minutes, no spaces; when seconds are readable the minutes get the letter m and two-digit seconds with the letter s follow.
12h42
